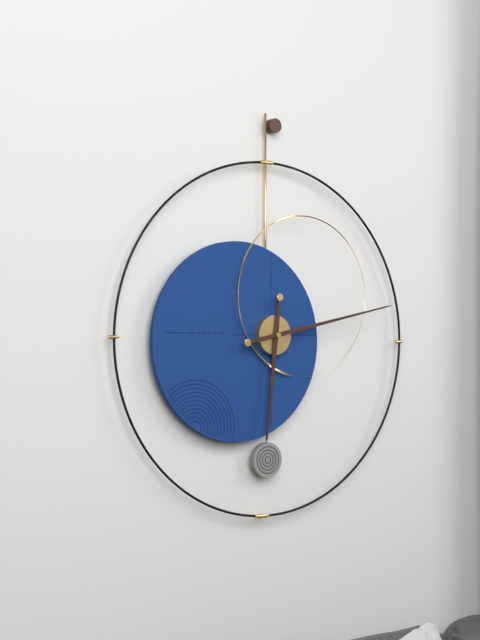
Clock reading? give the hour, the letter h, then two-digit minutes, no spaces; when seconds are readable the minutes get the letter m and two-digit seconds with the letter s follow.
6h13
